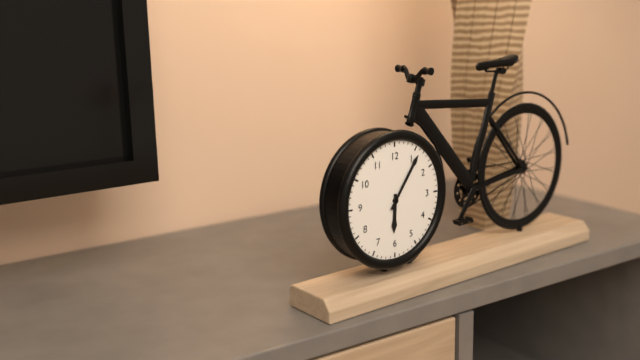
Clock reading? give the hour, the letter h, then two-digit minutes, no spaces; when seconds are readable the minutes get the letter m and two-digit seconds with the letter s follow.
6h06
